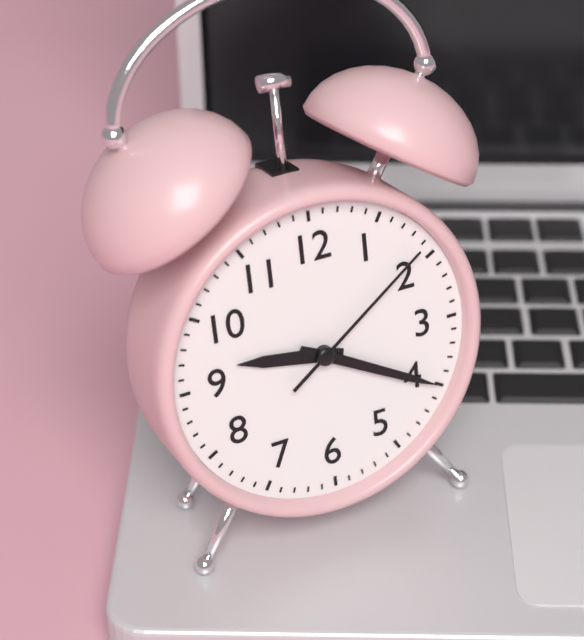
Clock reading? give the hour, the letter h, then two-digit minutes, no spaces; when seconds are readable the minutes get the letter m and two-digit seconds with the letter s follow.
9h20m09s
